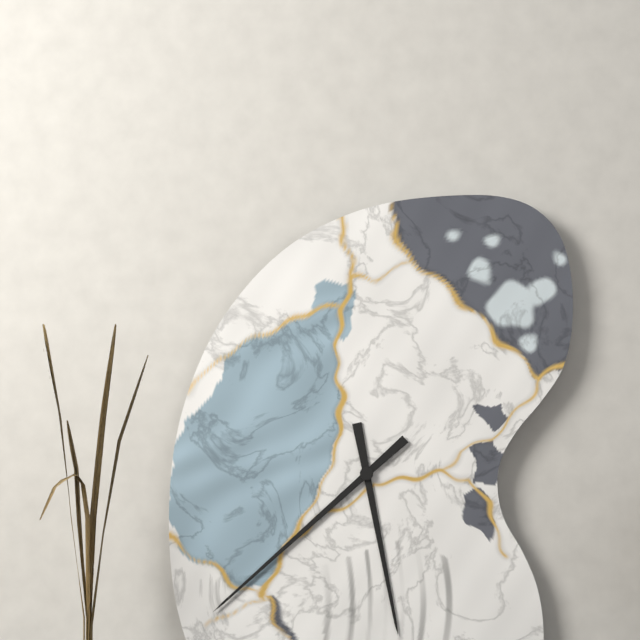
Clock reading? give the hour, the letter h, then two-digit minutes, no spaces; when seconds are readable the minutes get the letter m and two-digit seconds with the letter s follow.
5h38
